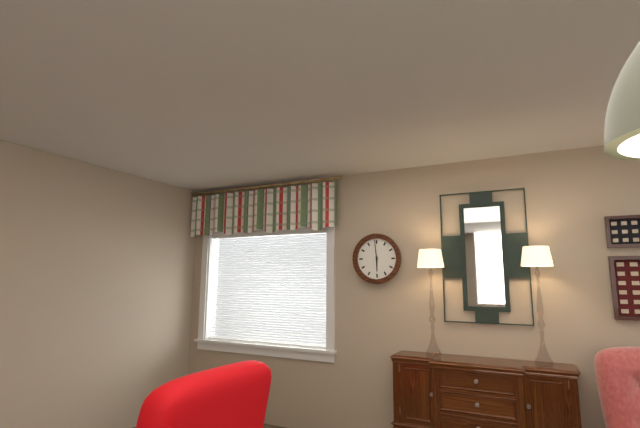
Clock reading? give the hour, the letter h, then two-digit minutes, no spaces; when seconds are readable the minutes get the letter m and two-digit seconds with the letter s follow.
5h59
